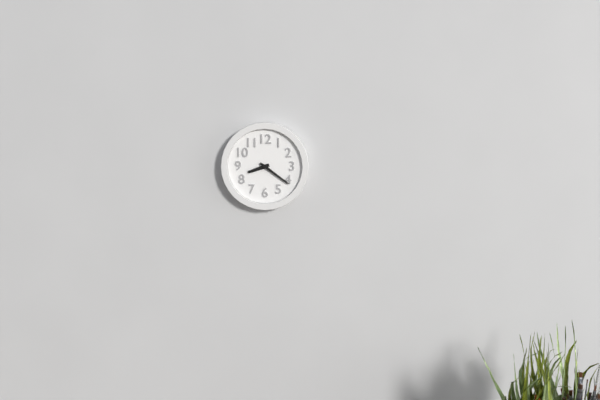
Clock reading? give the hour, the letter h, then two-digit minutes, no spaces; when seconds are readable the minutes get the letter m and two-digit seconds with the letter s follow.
8h21
